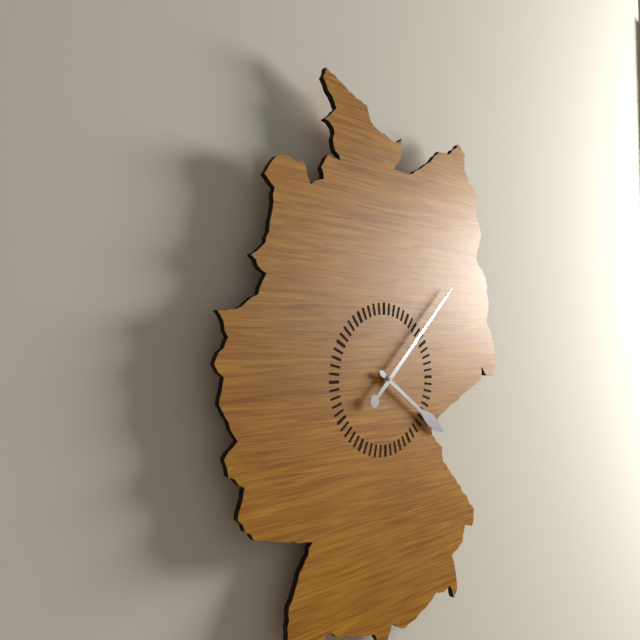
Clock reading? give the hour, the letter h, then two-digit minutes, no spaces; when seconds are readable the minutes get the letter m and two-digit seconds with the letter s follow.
4h08
